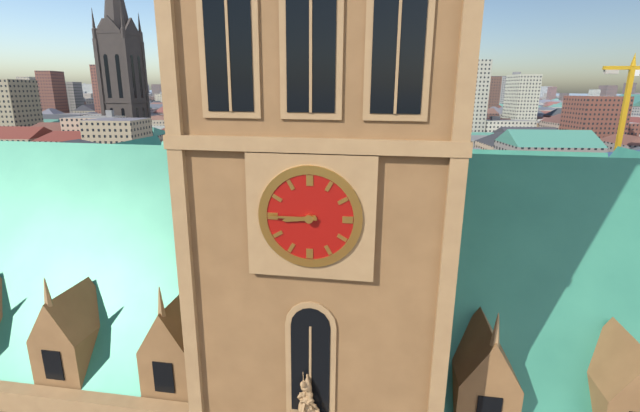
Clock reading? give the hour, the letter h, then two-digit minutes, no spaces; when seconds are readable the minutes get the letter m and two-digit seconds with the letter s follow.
8h45
